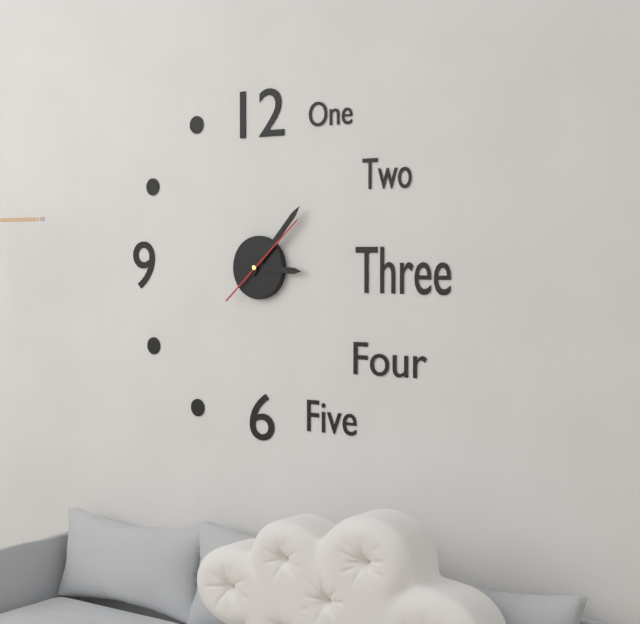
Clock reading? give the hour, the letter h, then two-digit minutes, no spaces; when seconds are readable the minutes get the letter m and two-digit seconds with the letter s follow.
3h07m08s
